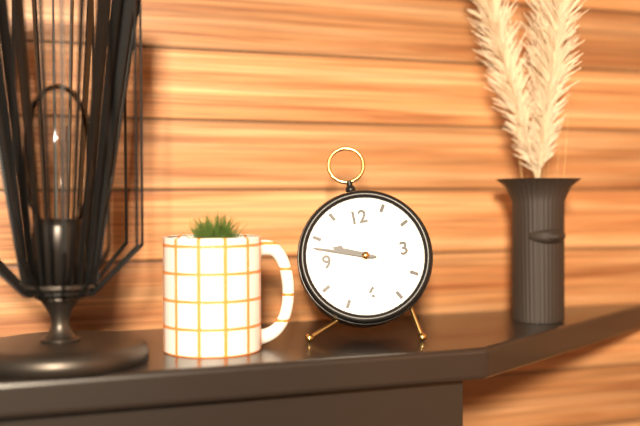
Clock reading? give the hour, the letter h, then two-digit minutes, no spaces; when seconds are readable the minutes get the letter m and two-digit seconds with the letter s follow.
9h48
